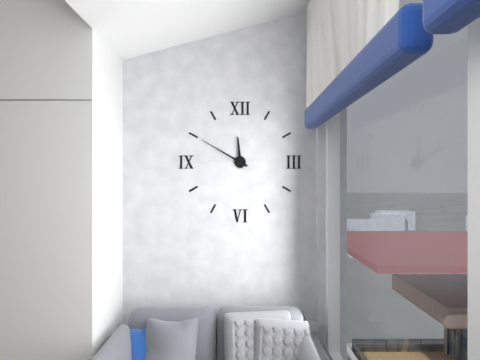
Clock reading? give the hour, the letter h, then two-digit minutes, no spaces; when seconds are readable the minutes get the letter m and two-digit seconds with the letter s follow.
11h50
